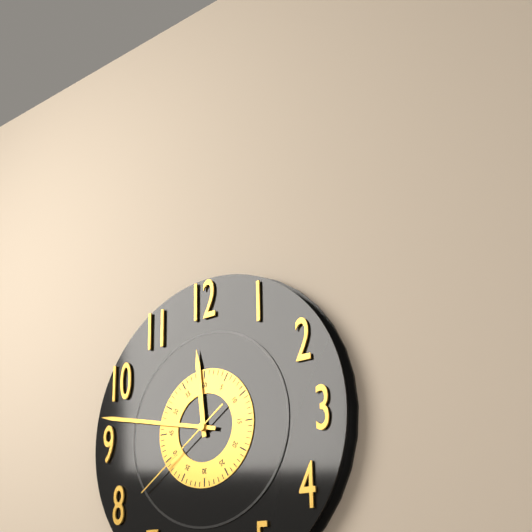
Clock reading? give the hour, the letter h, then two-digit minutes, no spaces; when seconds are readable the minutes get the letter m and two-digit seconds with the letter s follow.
11h47m39s
